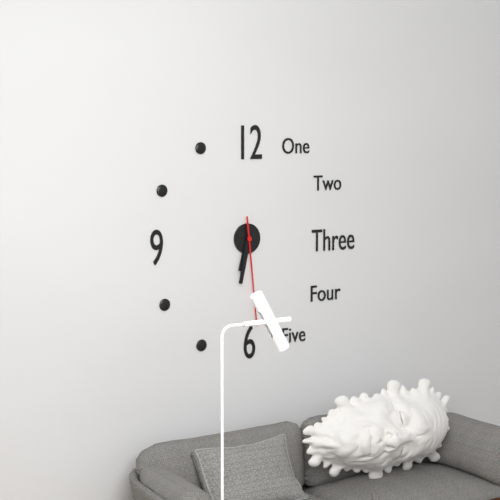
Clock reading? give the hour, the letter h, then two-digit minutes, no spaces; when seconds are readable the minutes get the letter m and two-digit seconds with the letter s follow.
6h32m29s
